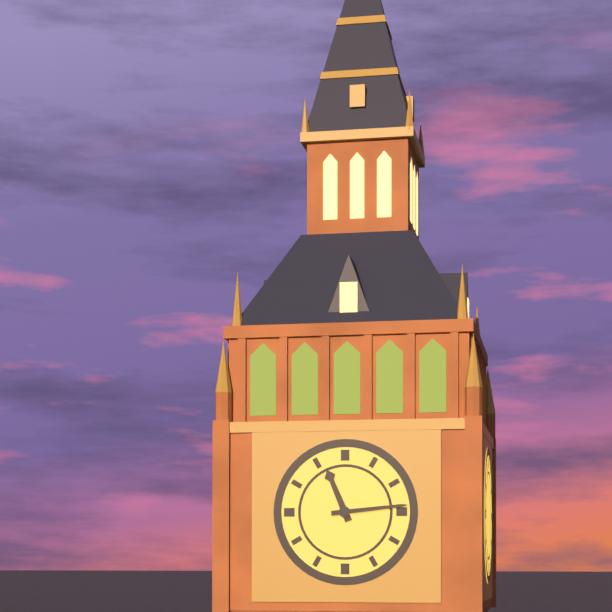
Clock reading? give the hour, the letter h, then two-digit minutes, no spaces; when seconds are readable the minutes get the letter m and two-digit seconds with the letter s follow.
11h14
